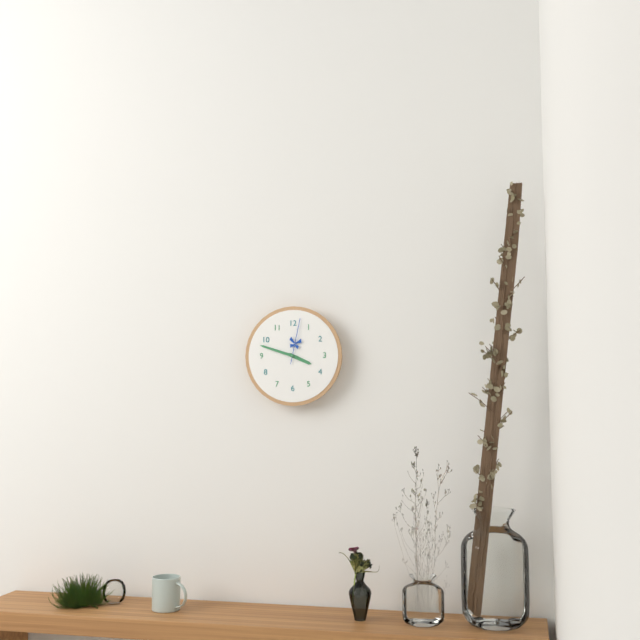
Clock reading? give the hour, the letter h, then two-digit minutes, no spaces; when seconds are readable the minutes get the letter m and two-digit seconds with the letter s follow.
3h48
